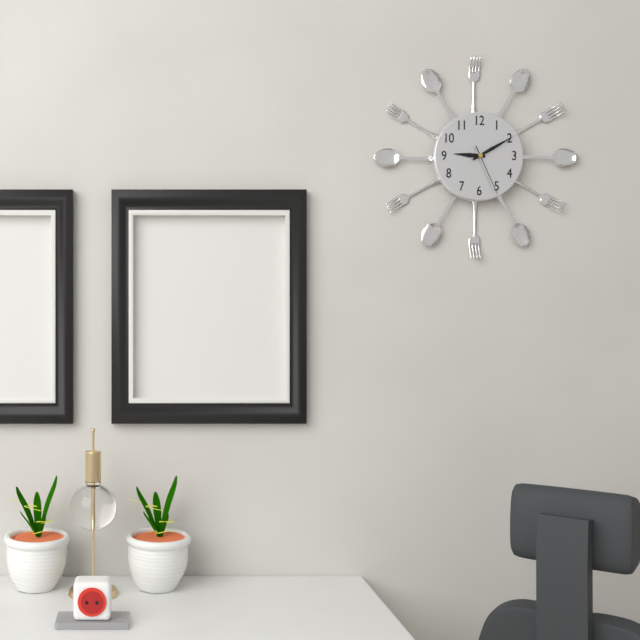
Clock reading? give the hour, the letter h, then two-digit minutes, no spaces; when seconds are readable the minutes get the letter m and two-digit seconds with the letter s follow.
9h10m26s
